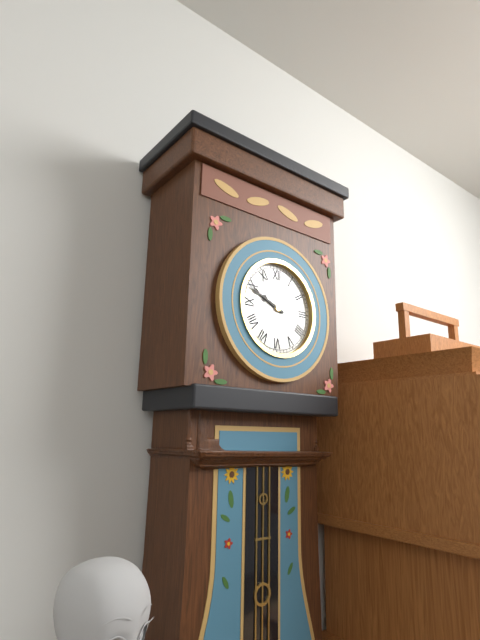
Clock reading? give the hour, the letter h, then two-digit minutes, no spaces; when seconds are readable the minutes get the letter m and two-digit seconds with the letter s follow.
9h49
